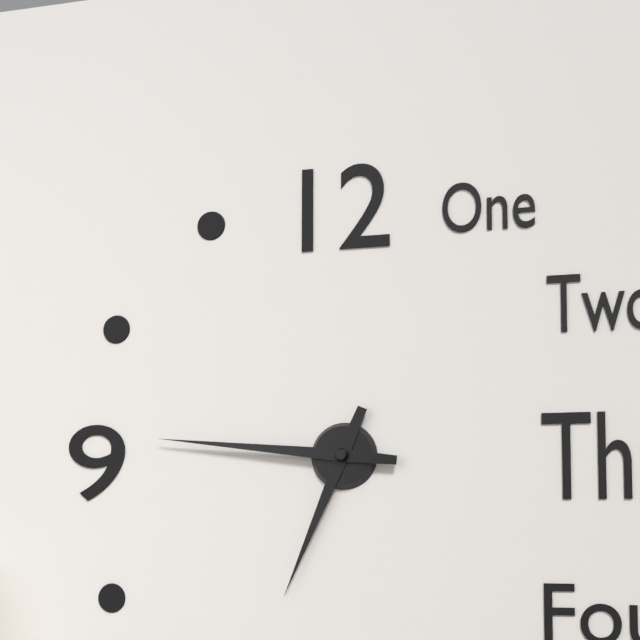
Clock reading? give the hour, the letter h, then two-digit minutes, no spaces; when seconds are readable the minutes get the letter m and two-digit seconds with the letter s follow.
6h46
